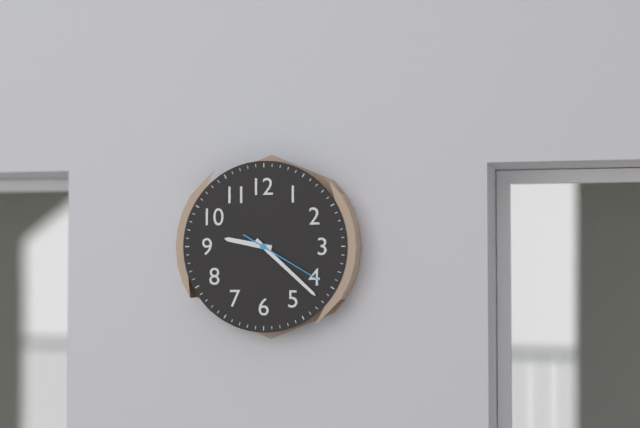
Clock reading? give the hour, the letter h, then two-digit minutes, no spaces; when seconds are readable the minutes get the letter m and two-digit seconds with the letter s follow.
9h22m20s
